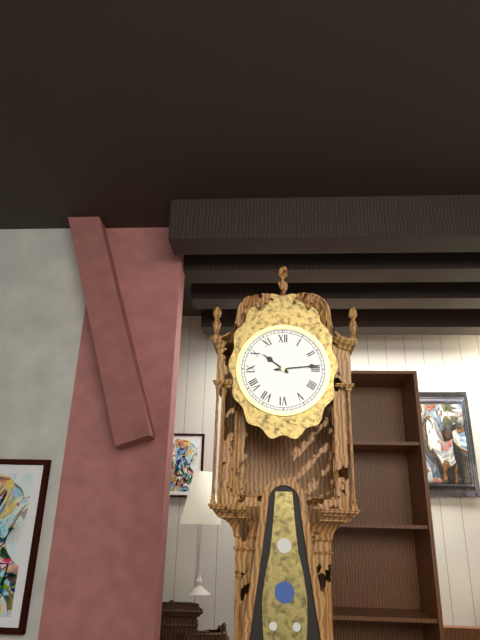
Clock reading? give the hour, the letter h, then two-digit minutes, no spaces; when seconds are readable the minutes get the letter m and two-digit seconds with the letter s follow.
10h14
